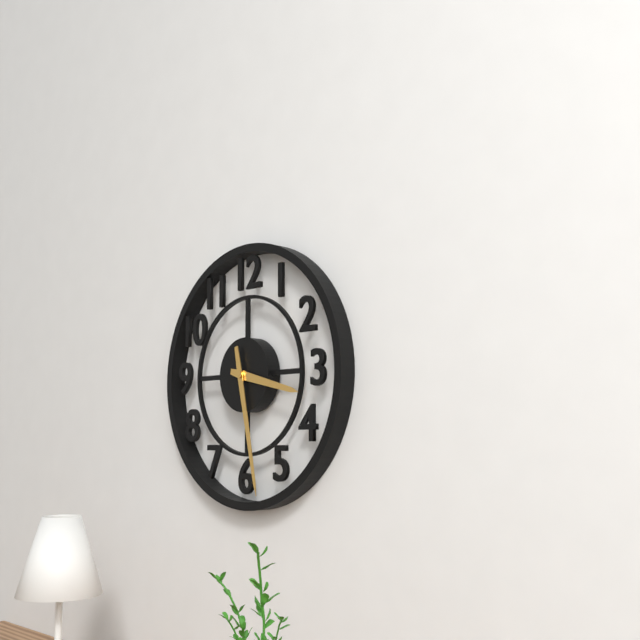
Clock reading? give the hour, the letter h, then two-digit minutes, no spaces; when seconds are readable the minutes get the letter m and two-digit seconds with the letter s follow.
3h28
